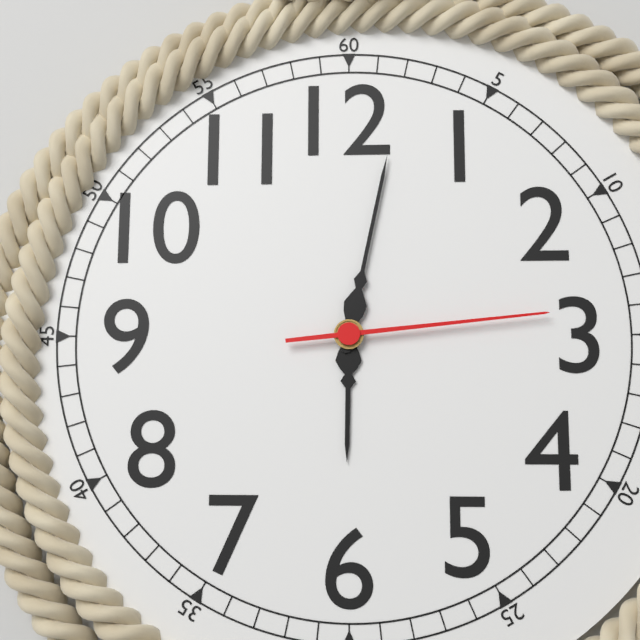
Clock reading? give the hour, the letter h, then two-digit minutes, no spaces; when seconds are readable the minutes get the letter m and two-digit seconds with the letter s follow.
6h02m14s
